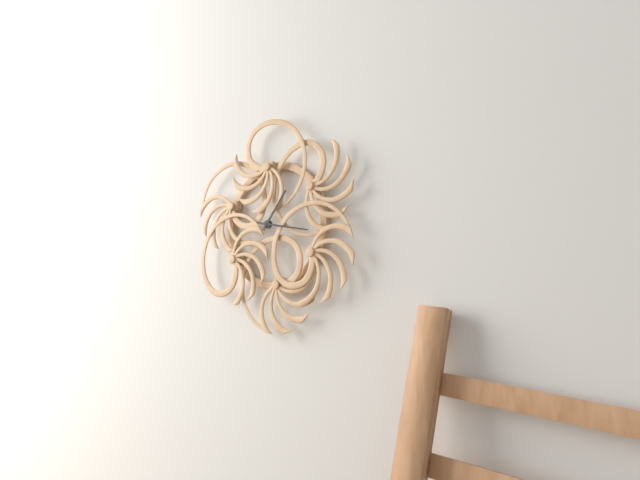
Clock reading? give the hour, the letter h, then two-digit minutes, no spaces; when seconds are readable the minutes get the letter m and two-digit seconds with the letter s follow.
1h17
